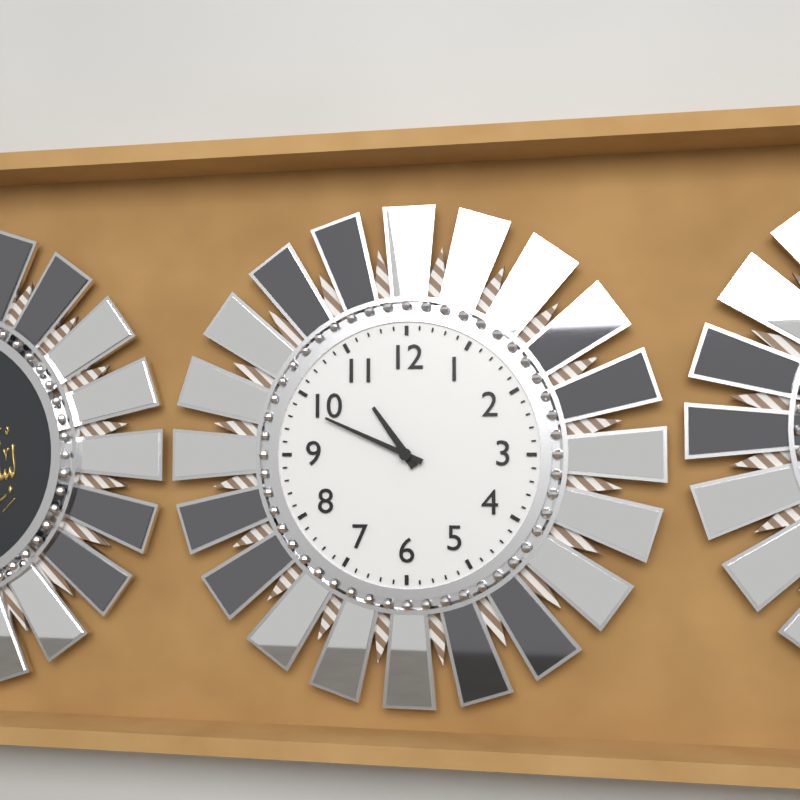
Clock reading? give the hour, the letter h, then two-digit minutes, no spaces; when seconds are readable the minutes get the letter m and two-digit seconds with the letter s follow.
10h49
